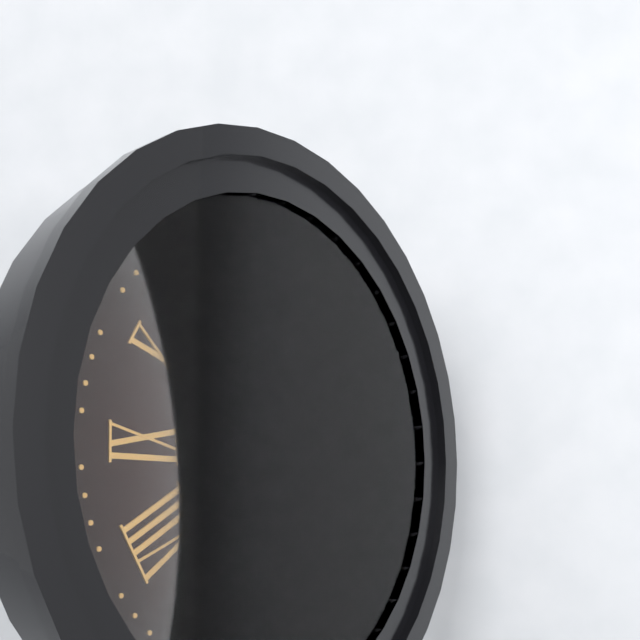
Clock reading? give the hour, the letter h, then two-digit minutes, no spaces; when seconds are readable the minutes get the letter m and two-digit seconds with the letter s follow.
9h55
